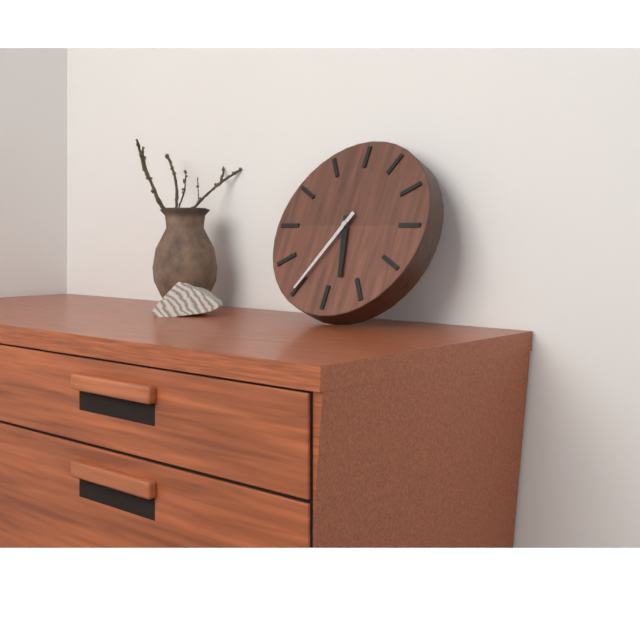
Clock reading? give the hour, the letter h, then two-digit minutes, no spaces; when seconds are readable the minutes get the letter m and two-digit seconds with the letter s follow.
5h35
